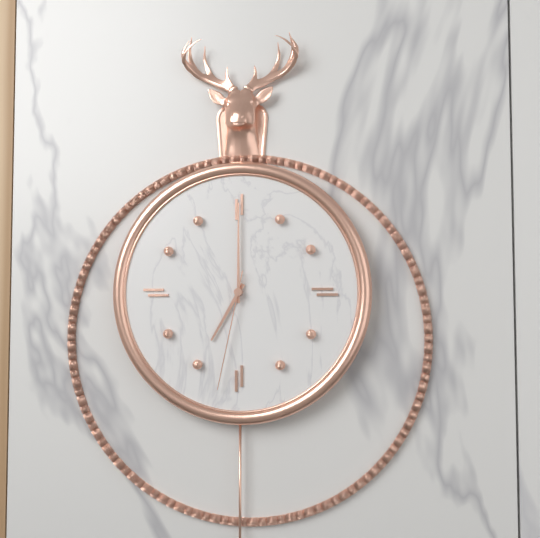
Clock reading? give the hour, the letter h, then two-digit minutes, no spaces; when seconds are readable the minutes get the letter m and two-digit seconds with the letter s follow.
7h00m32s
